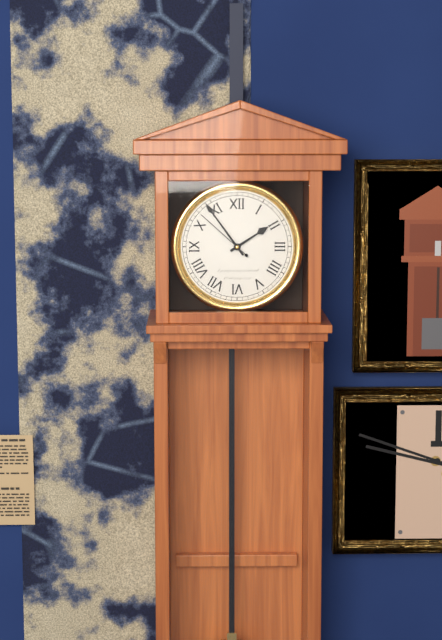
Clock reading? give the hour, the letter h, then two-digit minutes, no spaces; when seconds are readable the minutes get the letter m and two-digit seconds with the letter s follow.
1h54m52s
